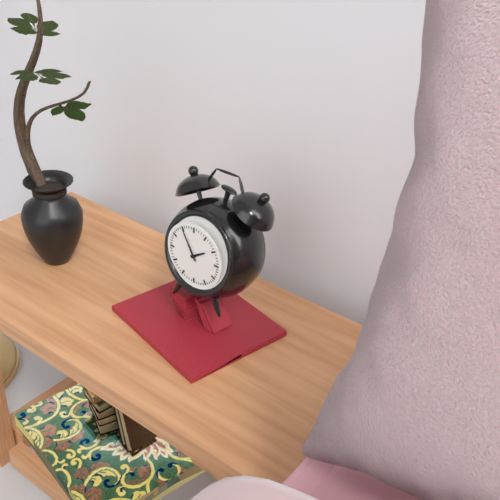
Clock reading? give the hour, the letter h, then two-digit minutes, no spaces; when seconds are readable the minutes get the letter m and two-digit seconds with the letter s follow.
1h55
